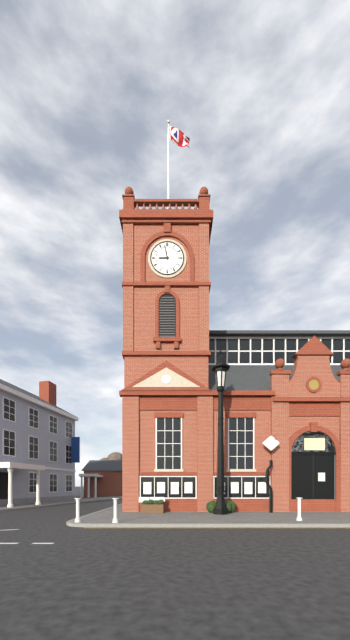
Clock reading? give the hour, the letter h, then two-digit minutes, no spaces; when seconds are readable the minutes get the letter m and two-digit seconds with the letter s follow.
8h58
